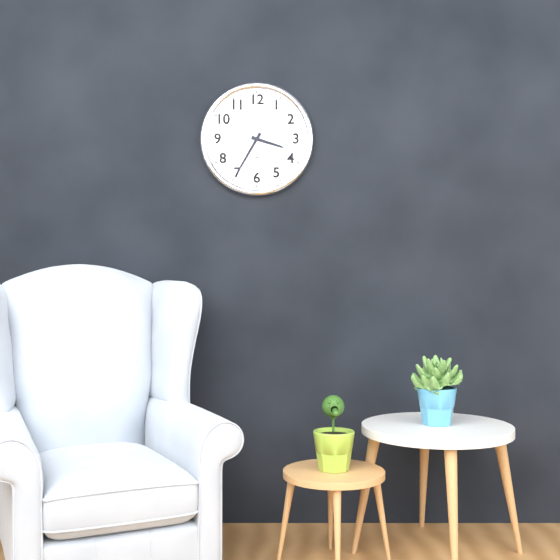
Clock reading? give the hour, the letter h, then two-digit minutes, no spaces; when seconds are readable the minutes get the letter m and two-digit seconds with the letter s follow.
3h35
